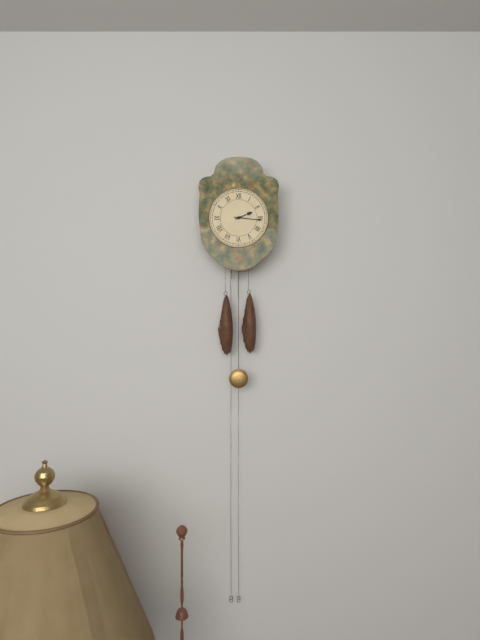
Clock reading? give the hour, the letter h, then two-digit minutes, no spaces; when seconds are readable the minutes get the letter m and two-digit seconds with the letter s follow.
2h16
